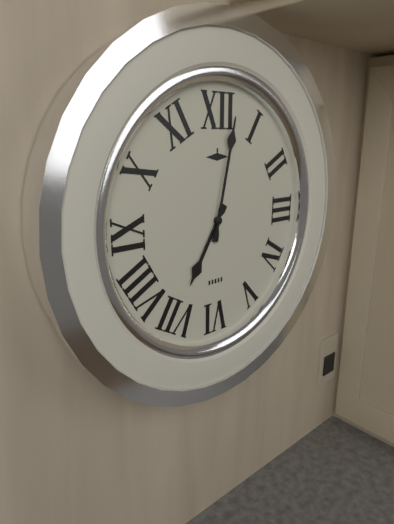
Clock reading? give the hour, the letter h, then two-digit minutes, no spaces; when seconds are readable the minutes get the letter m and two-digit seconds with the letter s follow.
7h02
